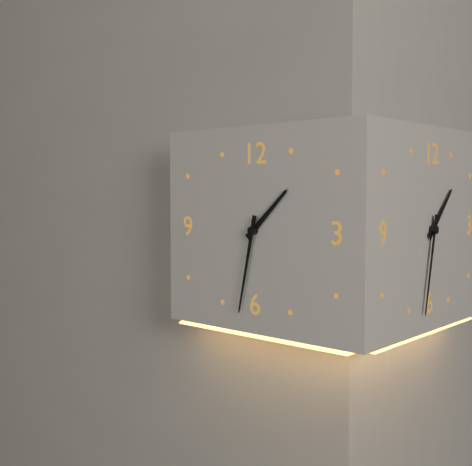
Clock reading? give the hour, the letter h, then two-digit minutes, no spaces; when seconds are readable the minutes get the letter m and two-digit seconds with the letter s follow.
1h32
